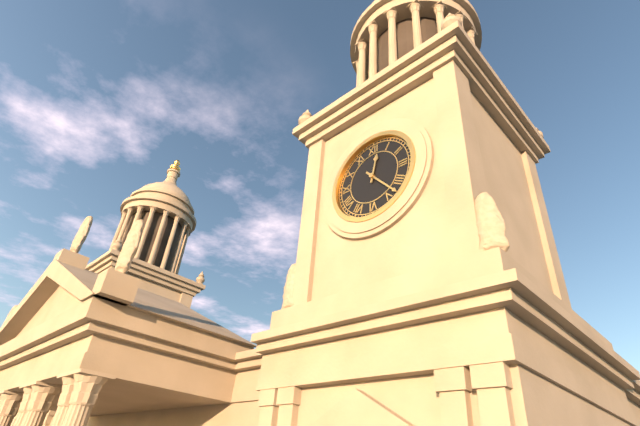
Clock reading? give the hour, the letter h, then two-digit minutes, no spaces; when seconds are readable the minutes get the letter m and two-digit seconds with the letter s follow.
12h23
